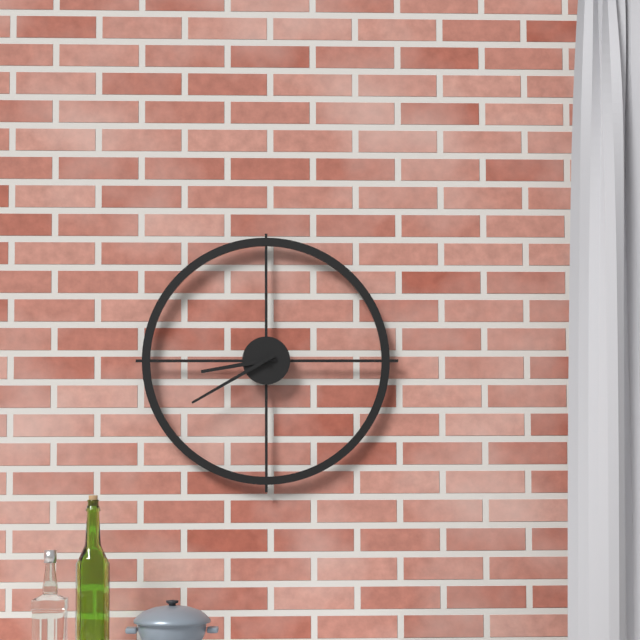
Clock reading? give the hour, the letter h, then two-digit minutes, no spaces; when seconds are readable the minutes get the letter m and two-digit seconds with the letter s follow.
8h40
